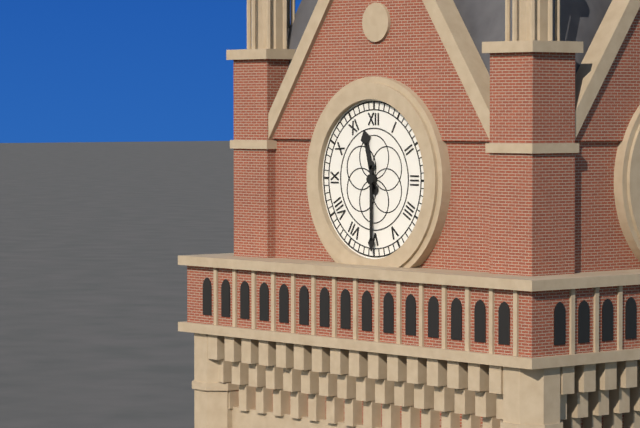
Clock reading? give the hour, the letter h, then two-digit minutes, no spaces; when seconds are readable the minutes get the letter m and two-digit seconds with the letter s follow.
11h30
